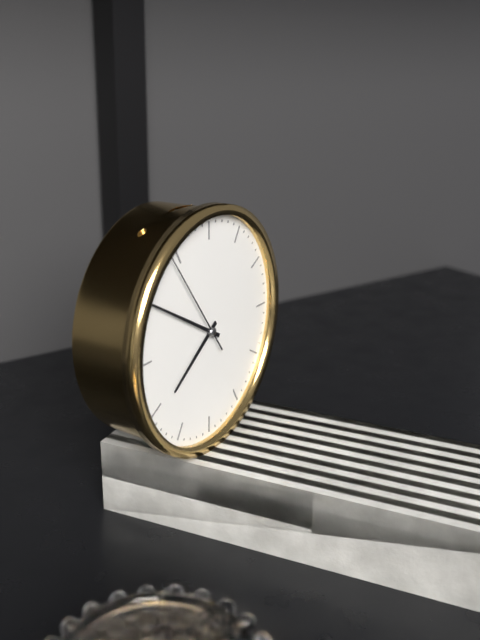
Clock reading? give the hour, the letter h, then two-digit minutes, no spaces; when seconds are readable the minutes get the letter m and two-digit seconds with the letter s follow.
7h50m54s
